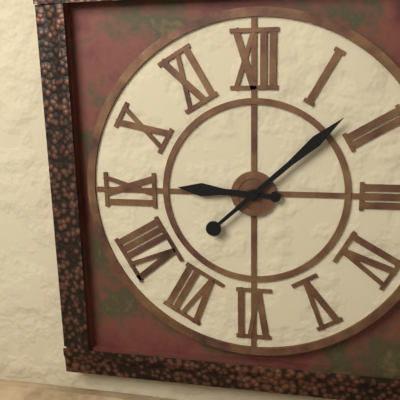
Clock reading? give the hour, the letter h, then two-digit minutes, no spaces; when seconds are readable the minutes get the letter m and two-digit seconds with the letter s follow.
9h08
